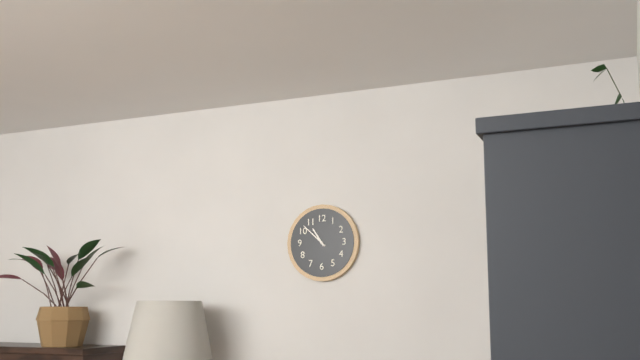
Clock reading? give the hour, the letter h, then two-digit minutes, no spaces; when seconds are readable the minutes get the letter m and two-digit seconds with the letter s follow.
10h52
